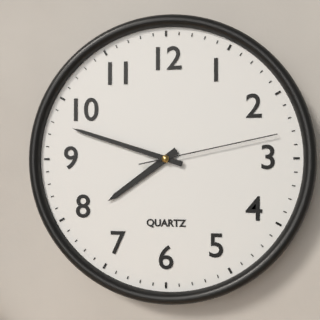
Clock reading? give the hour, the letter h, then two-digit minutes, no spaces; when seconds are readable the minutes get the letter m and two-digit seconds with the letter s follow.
7h48m13s
